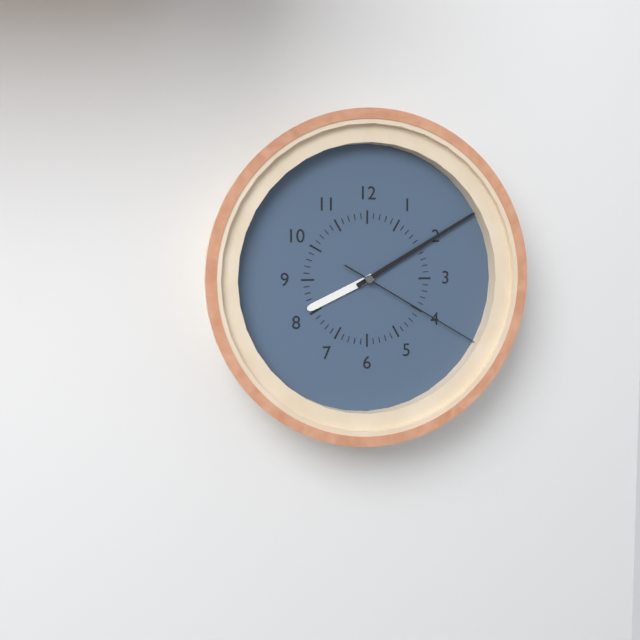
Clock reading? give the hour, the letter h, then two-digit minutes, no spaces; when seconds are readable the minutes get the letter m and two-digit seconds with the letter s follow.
8h10m20s
